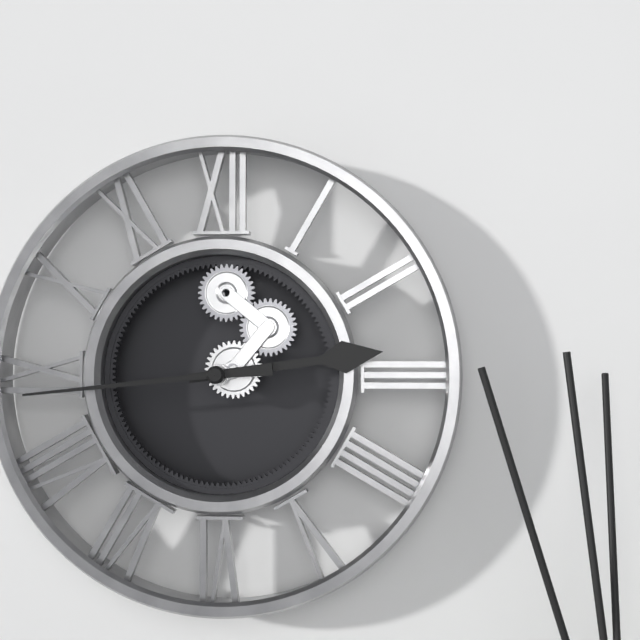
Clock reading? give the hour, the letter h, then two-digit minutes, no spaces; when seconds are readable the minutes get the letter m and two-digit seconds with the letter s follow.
2h44
